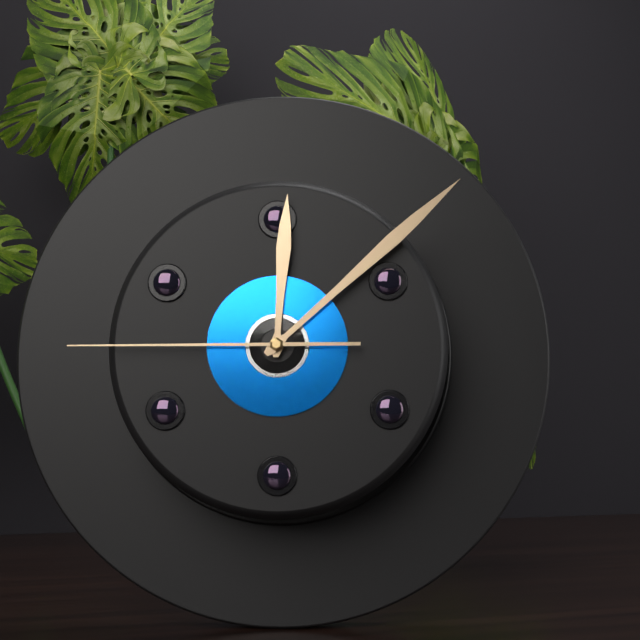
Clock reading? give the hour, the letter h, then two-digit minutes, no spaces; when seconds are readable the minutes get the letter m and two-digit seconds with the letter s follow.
12h08m45s
